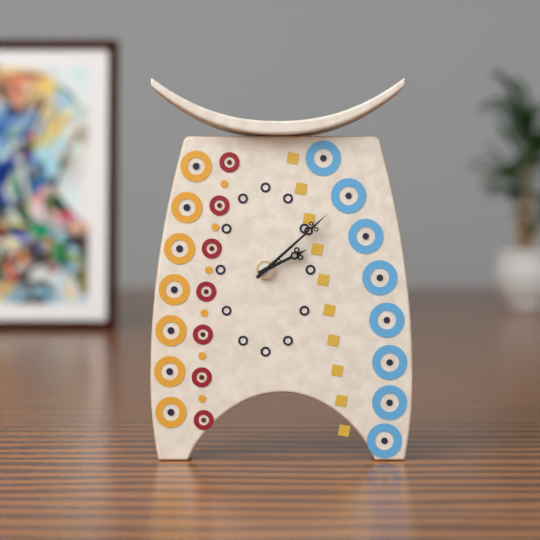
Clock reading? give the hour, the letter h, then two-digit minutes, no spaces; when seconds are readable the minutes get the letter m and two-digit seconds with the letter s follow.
2h08
